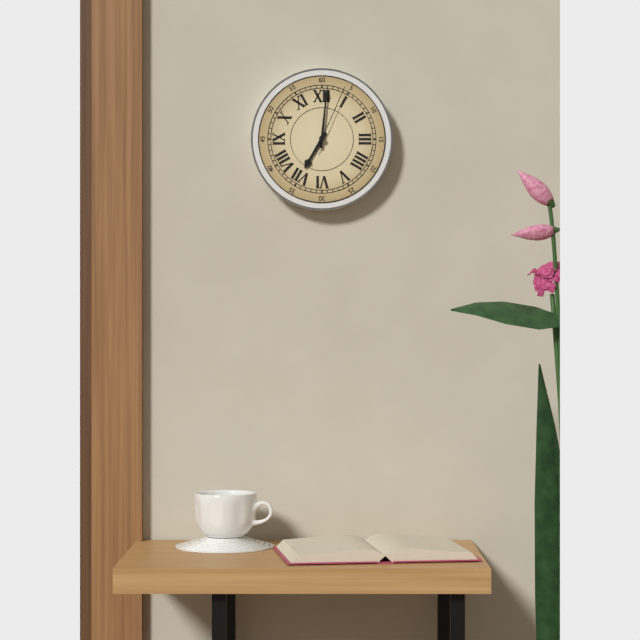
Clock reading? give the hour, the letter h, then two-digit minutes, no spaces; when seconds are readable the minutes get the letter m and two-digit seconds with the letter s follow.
7h01m04s
